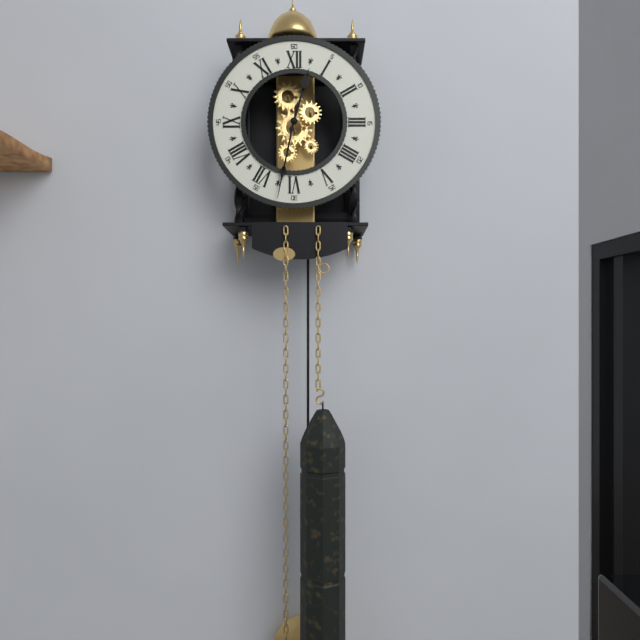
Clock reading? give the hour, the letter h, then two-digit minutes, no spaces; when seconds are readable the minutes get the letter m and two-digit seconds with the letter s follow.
12h32
